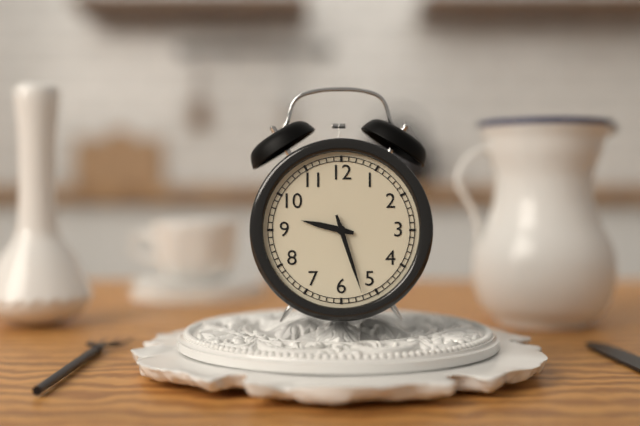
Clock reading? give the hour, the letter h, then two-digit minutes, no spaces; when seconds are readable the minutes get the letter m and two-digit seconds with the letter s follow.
9h27
